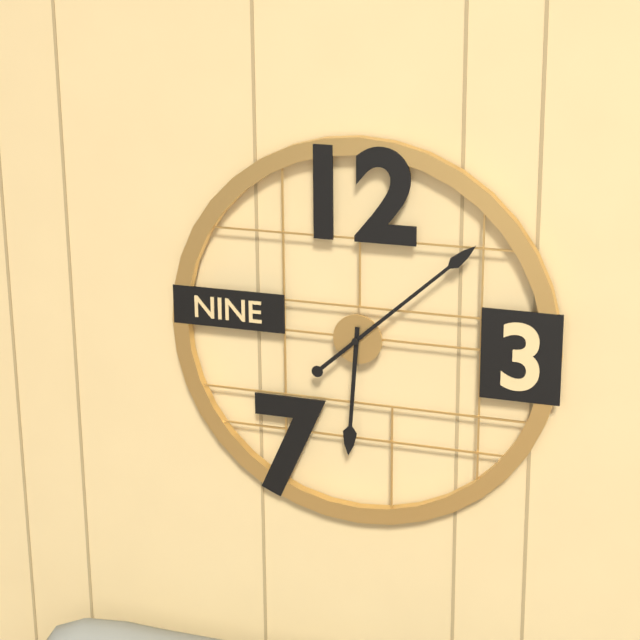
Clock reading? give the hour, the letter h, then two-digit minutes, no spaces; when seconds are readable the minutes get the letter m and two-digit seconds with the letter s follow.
6h08
